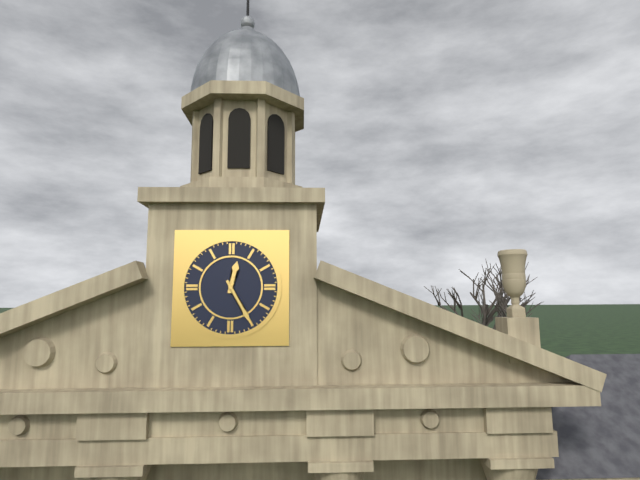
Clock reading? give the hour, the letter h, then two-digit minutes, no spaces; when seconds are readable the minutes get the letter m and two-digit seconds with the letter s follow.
12h25
